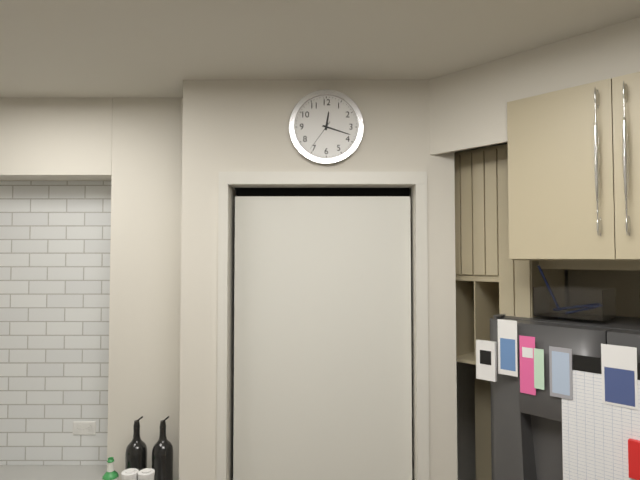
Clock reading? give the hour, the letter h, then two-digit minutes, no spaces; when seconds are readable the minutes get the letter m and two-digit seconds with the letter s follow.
12h18
